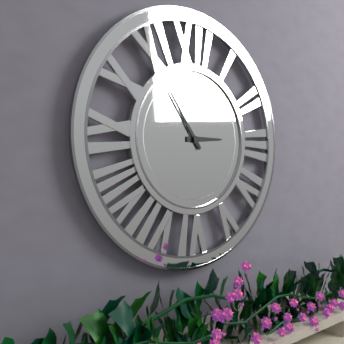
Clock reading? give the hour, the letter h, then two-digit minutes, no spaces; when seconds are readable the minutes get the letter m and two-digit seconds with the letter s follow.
2h54
